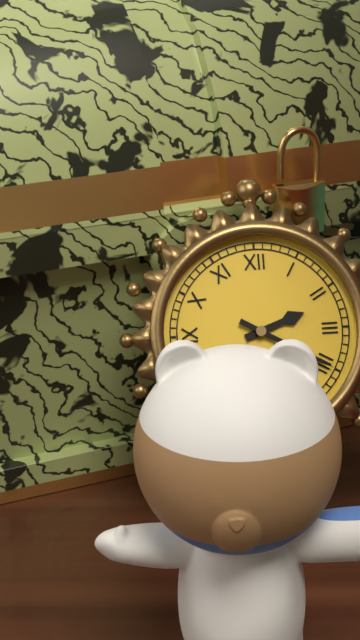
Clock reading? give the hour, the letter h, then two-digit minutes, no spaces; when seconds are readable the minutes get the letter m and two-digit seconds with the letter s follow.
2h20
